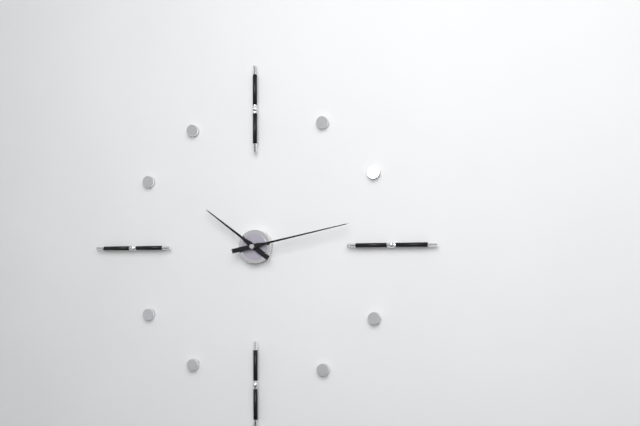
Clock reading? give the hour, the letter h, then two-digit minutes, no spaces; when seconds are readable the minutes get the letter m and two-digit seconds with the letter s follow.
10h13
